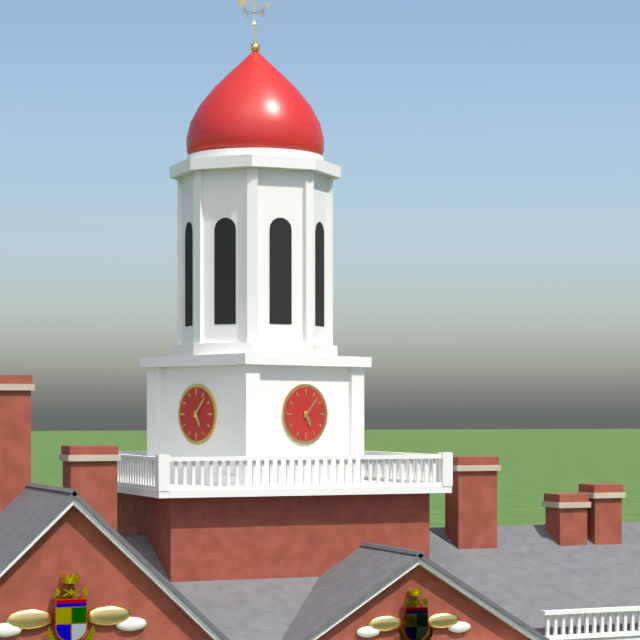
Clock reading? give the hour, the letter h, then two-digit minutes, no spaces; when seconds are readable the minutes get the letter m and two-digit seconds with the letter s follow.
5h07
